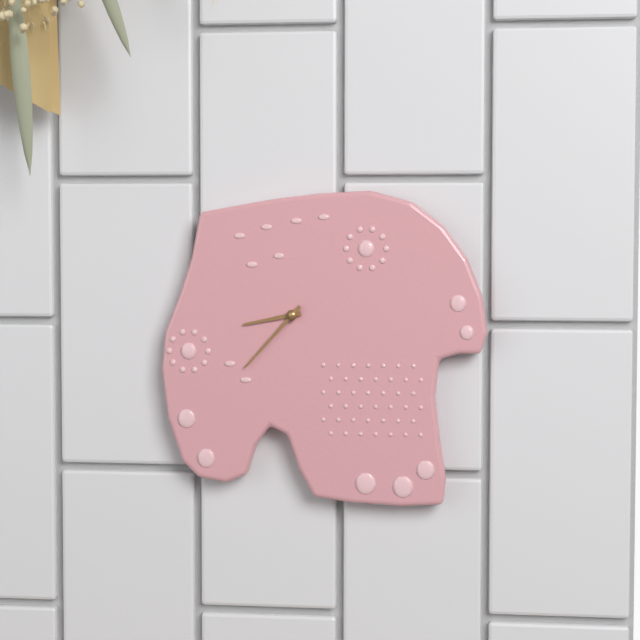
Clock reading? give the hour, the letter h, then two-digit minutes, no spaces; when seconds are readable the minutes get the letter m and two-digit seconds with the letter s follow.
8h37
